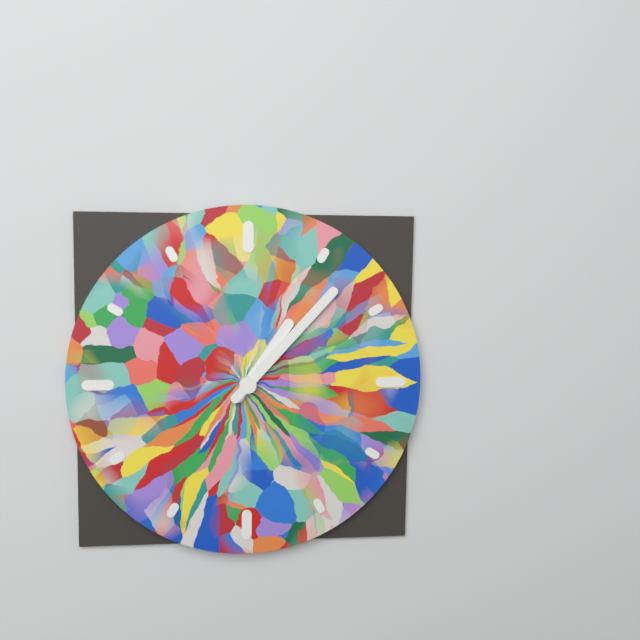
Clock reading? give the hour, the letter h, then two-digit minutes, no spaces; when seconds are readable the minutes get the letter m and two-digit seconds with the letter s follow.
1h07
